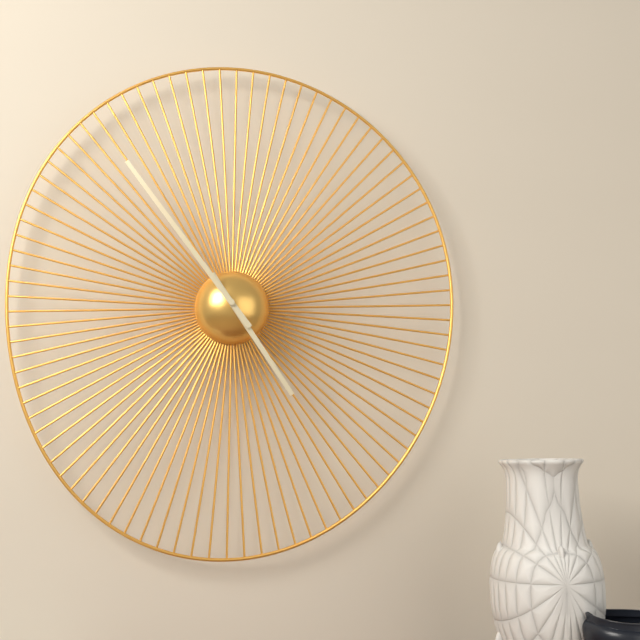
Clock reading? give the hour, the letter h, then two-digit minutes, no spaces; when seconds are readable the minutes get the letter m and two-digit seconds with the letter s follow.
4h54
